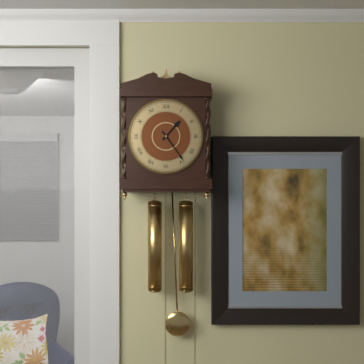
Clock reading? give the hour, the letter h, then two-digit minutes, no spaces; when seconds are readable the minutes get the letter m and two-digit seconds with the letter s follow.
1h24
